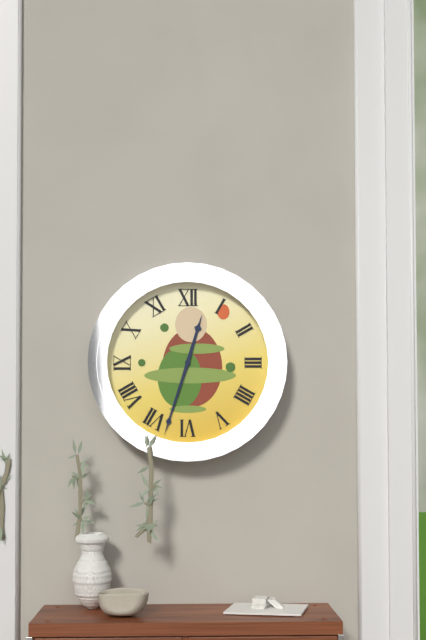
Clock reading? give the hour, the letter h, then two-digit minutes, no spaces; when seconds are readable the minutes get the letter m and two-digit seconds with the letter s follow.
12h33
